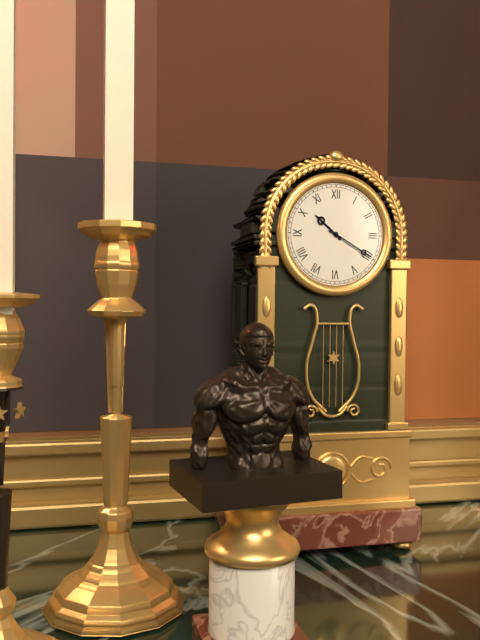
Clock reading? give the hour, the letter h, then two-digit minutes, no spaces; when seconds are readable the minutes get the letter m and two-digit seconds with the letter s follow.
10h20
